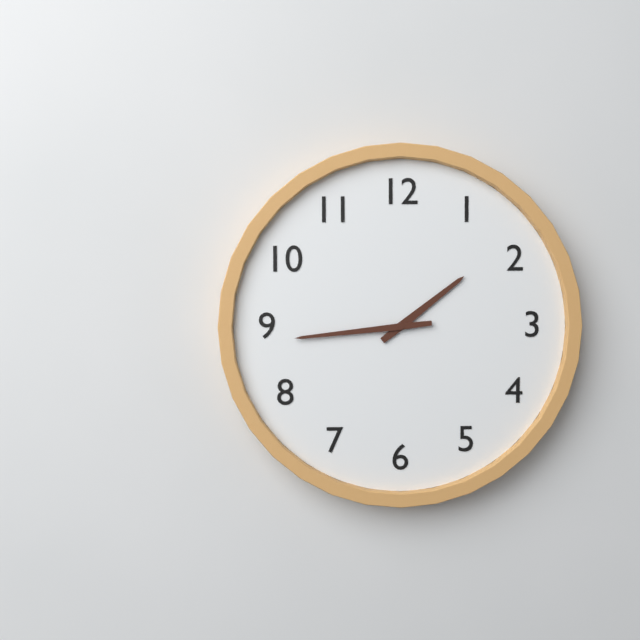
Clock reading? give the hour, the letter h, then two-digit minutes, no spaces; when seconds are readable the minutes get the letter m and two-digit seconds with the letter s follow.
1h44
